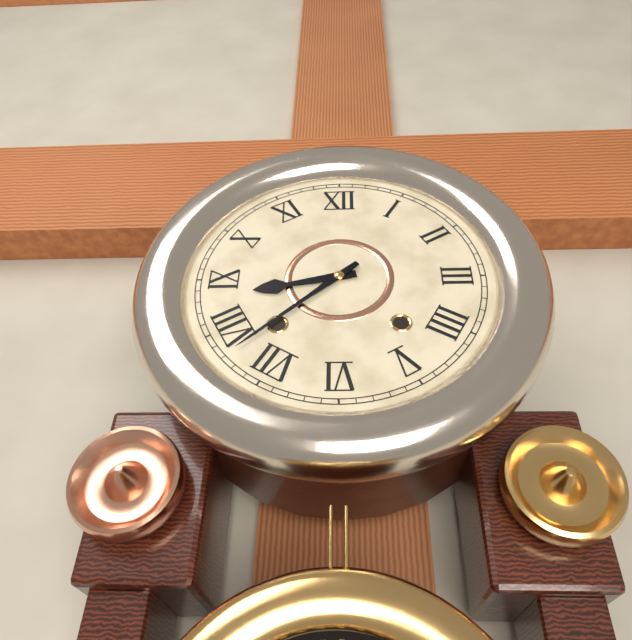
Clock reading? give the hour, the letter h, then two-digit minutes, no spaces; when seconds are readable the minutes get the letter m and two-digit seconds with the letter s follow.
8h38
